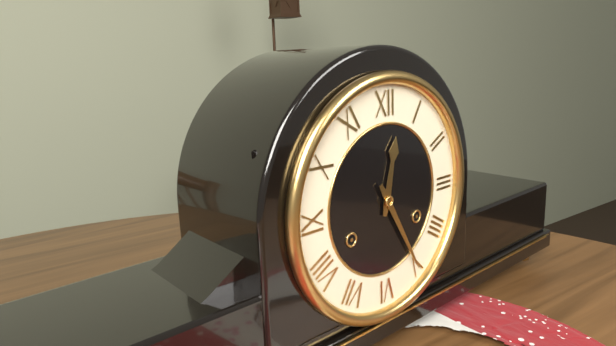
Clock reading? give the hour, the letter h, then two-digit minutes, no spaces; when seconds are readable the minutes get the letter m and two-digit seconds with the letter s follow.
12h25
